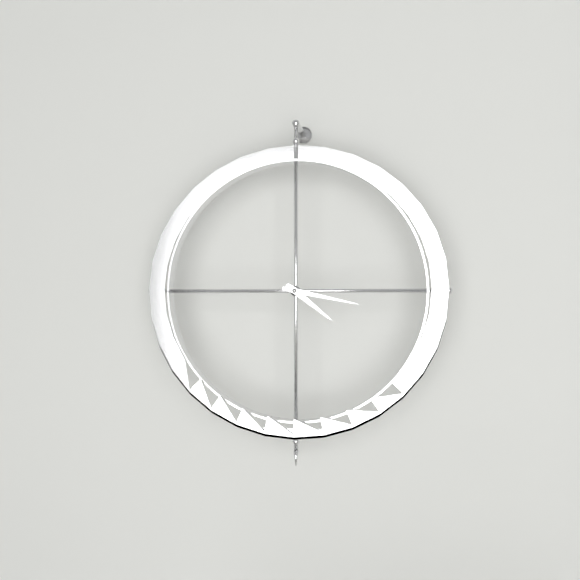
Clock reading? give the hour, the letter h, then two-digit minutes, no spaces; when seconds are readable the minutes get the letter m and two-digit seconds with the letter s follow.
4h17
